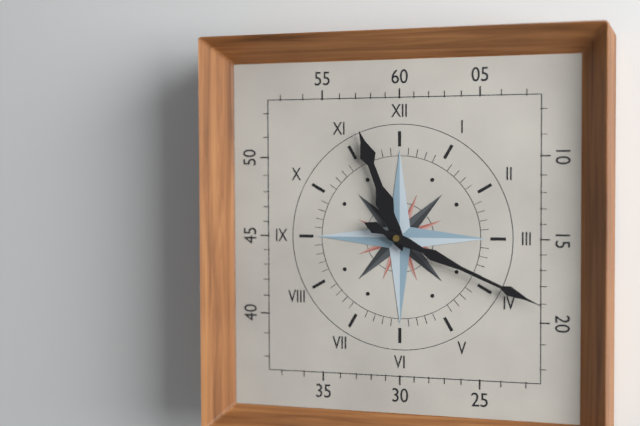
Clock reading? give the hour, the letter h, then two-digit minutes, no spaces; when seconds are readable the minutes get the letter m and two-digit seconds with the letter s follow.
11h19
